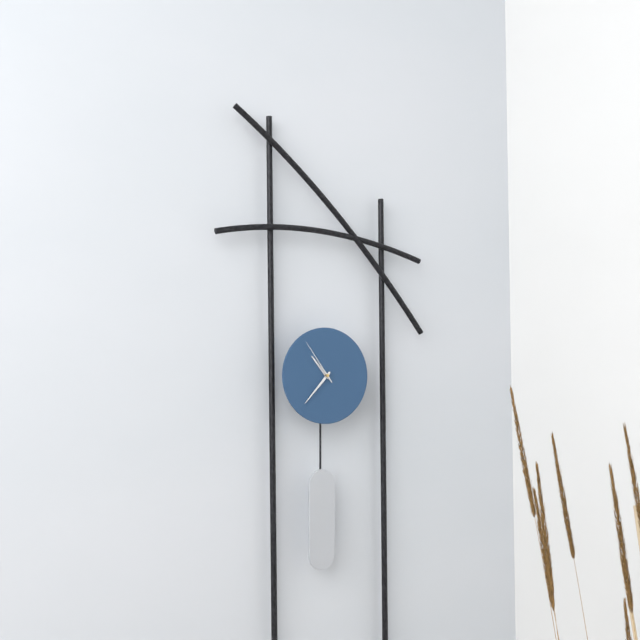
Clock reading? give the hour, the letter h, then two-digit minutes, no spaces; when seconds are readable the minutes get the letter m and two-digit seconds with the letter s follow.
10h37m54s
